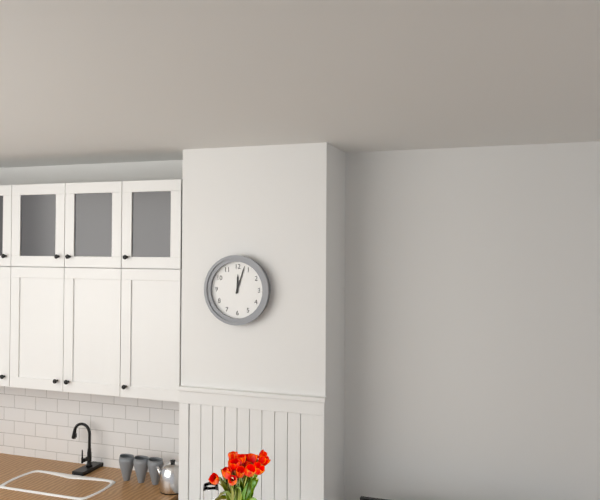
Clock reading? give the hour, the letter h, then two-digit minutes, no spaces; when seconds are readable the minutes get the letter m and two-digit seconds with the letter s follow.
12h03
